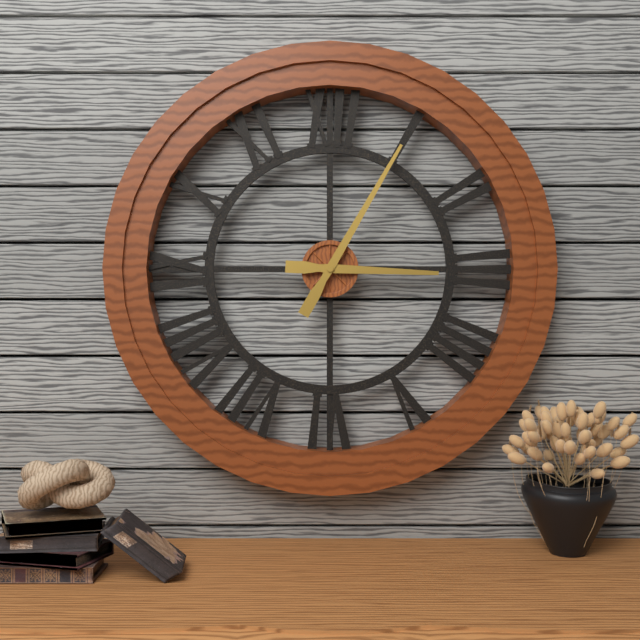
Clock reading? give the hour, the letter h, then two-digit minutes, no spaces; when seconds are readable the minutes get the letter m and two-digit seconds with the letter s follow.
3h05
